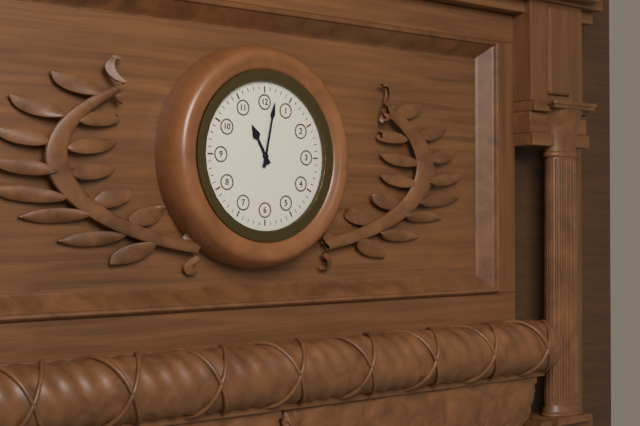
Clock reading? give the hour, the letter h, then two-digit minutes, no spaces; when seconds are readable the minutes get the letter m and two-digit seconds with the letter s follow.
11h02
